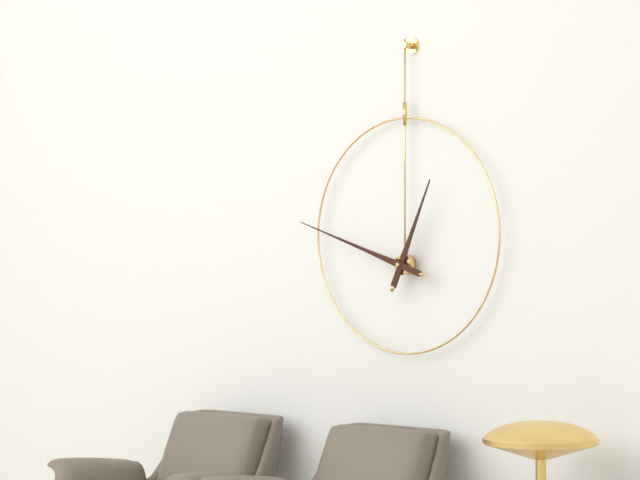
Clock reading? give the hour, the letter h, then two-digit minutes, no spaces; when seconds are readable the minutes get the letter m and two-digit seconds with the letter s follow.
12h48
